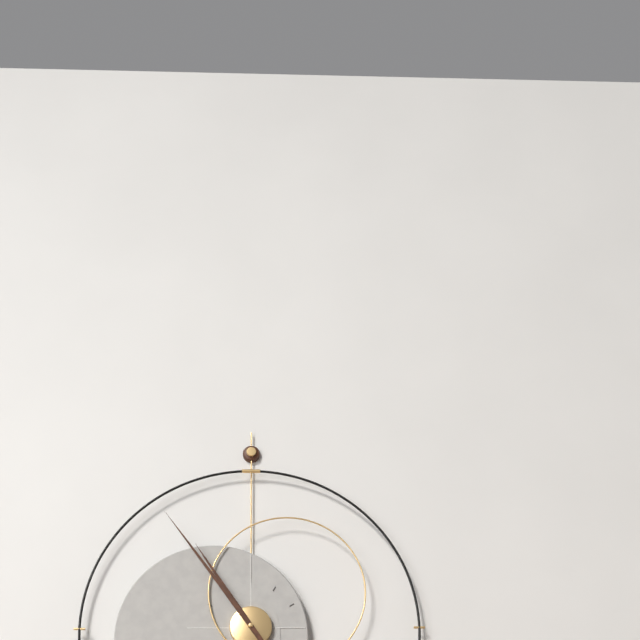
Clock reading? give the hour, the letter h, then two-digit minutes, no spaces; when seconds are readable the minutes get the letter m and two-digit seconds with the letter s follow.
10h54
